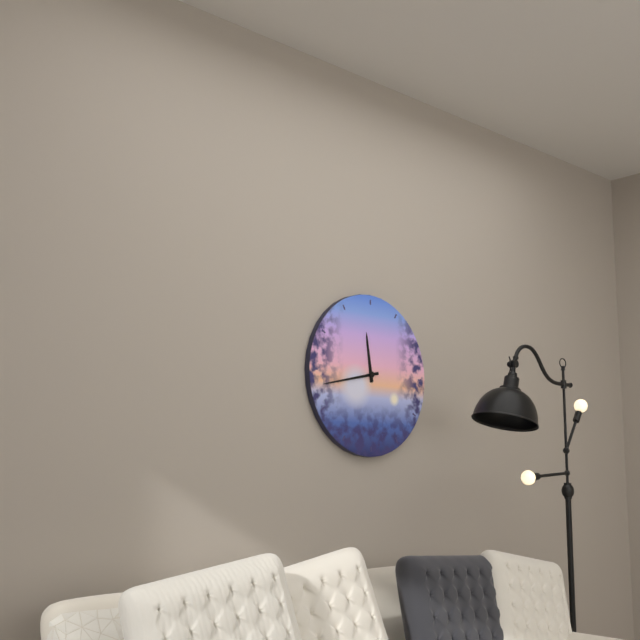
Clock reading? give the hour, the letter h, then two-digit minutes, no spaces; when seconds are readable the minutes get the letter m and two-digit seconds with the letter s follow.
11h43
